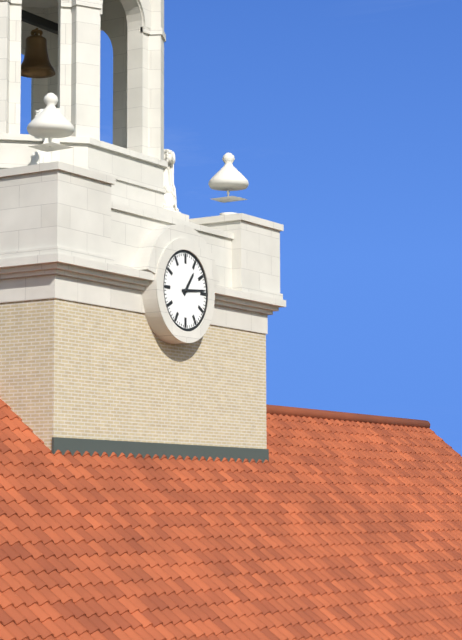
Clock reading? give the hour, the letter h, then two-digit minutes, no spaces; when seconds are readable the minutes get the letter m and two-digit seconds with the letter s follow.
1h14
